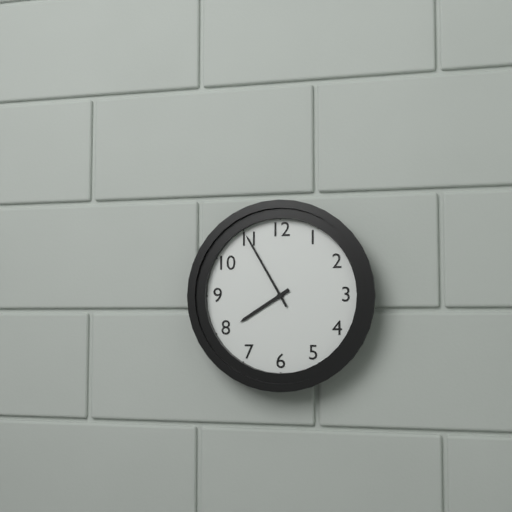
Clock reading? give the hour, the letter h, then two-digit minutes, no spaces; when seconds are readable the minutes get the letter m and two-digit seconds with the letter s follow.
7h55
